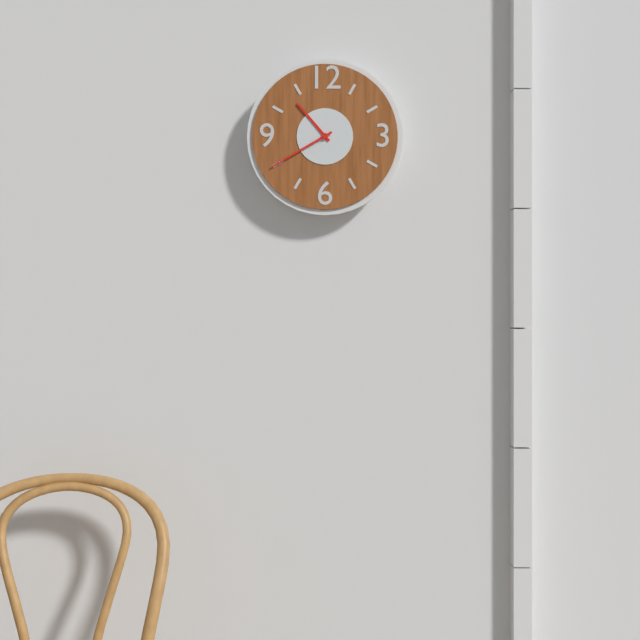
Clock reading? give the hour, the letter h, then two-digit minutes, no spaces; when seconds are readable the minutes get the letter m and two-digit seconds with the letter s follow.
10h40
